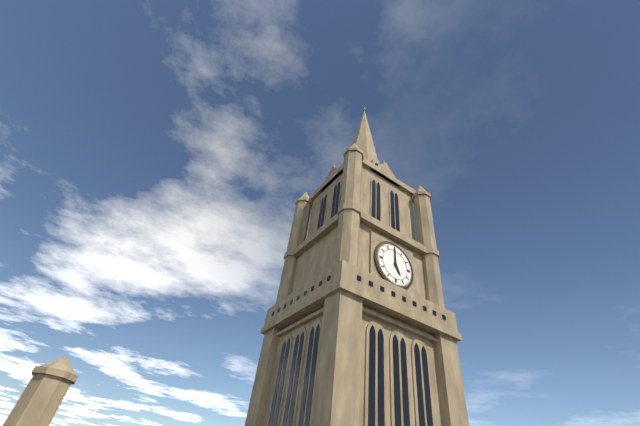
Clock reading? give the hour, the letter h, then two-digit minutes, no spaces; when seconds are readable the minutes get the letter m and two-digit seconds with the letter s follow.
5h00
